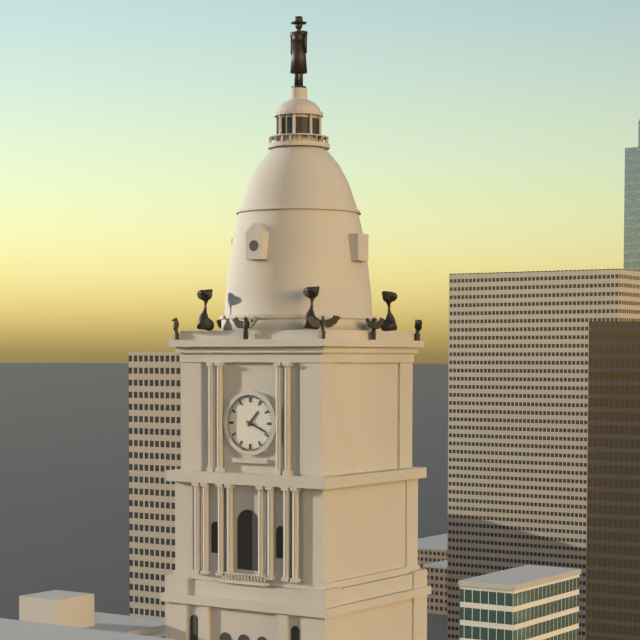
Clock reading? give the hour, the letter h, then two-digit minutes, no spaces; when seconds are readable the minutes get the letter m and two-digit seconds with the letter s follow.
1h19
